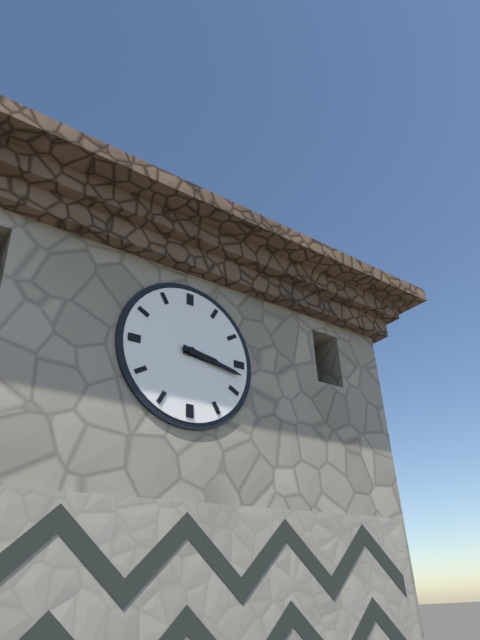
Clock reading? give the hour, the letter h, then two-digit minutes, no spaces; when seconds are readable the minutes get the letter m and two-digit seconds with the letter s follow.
3h17
